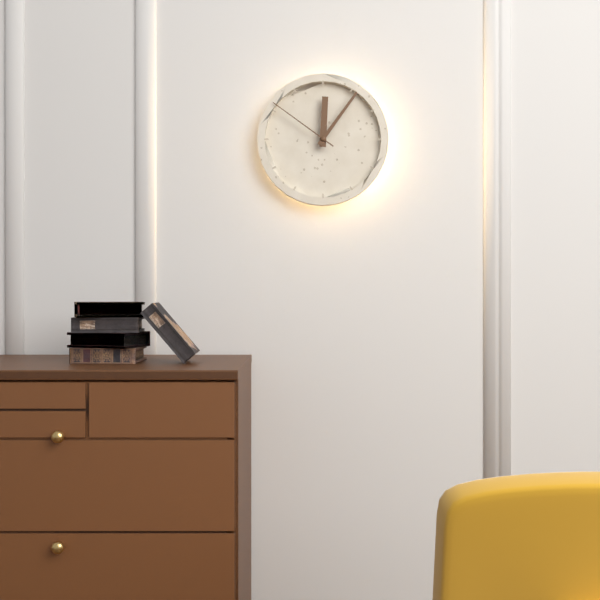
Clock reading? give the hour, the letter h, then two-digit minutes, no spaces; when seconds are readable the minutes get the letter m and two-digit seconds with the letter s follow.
12h06m51s
